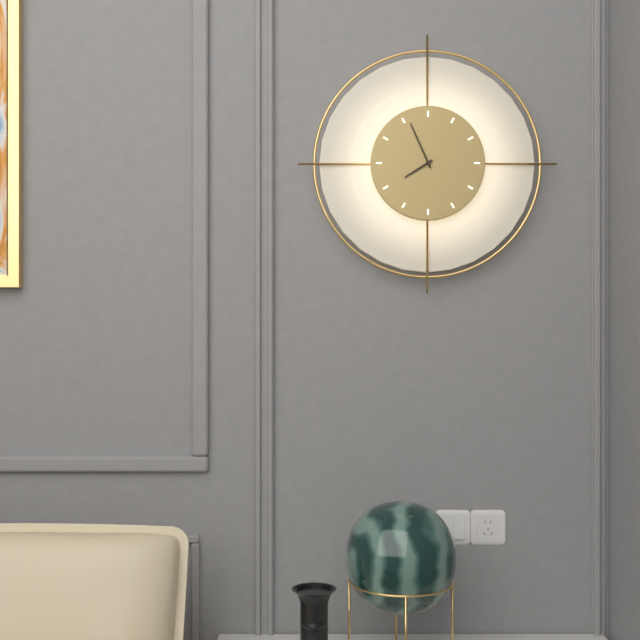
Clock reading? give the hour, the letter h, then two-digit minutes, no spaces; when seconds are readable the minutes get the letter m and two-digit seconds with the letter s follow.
7h56
